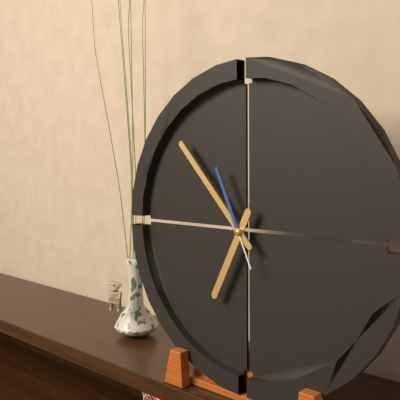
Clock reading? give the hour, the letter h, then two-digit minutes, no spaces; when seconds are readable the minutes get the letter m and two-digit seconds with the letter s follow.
6h53m56s
